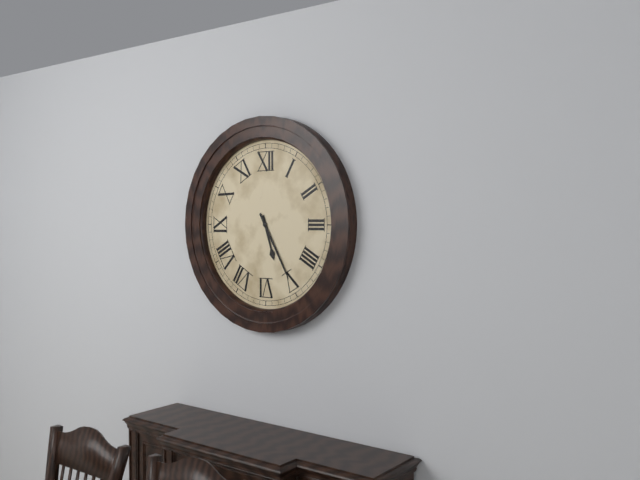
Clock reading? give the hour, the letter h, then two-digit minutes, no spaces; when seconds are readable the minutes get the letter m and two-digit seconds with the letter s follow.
5h25
